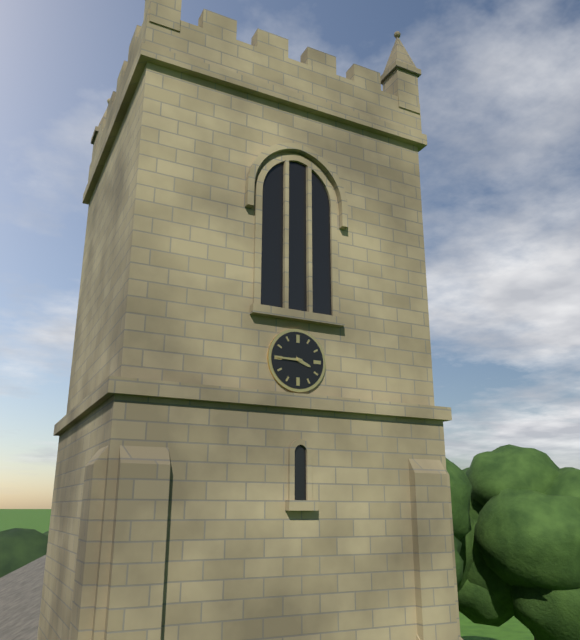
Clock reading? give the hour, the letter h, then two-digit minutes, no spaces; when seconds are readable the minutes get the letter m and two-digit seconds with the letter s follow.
3h45
